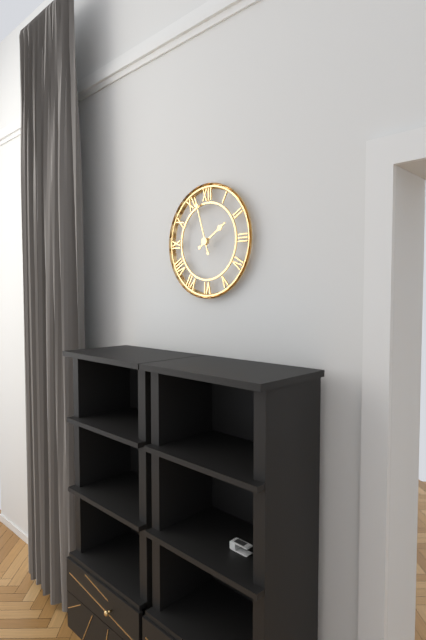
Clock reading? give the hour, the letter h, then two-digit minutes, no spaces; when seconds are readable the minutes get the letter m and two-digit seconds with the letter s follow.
1h57
